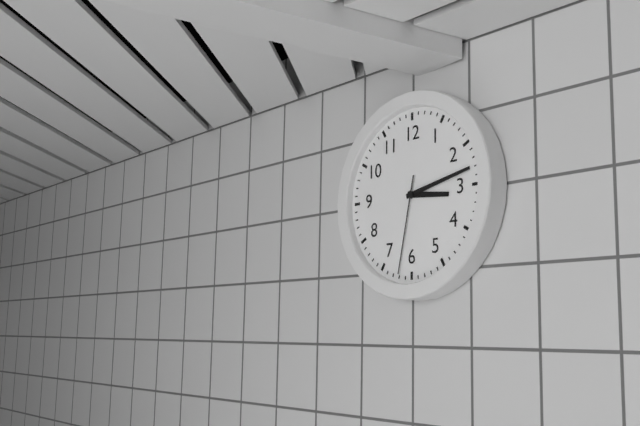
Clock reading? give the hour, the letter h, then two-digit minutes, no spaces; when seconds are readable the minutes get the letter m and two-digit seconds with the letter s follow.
3h13m32s
